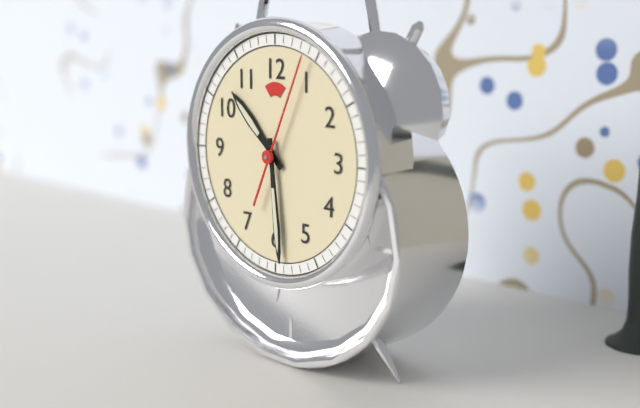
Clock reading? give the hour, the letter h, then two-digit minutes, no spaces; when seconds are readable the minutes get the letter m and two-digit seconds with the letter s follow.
10h29m04s
